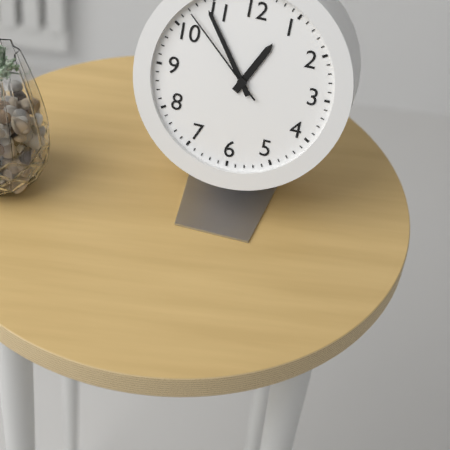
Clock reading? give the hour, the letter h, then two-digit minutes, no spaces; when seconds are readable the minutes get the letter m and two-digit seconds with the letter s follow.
12h54m52s
